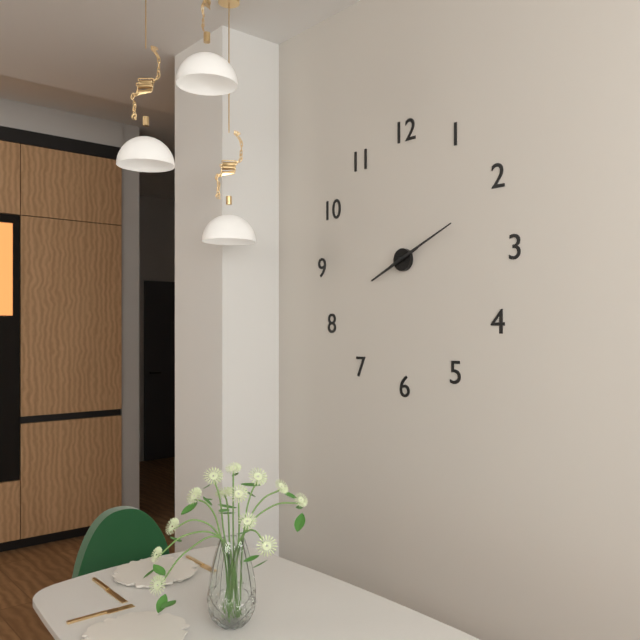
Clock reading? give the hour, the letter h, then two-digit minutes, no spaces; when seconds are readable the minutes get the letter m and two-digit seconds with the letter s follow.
8h11
